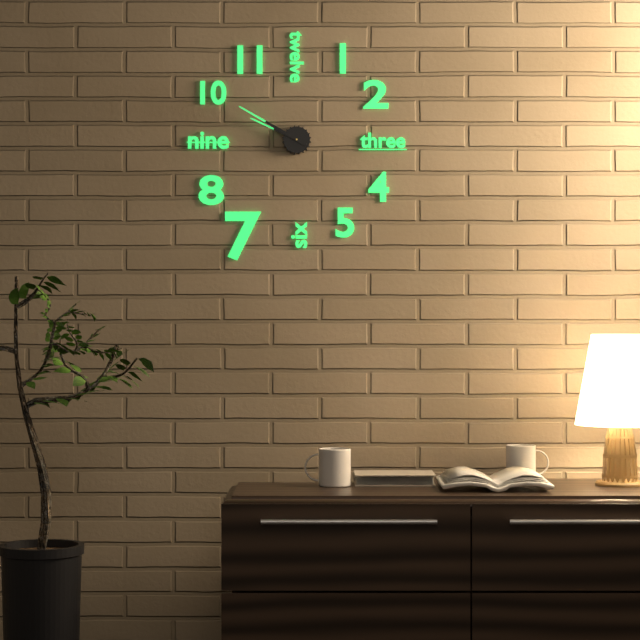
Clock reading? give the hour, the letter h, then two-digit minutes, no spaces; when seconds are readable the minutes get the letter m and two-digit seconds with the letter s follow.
9h50
